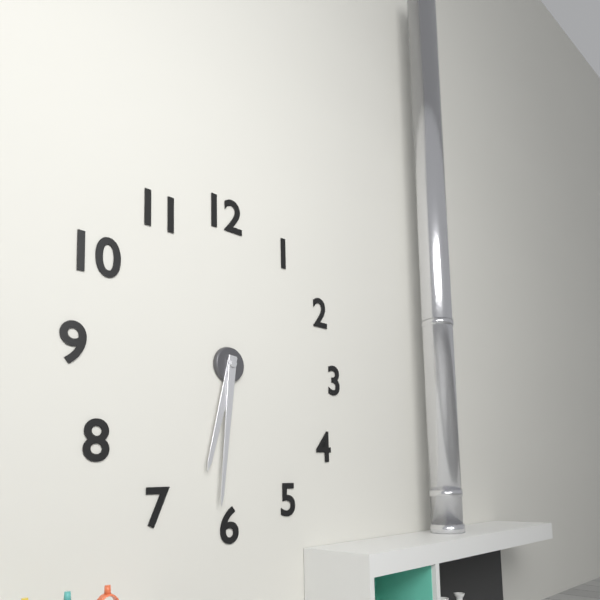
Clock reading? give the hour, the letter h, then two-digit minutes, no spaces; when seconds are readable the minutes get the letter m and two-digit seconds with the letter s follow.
6h31
